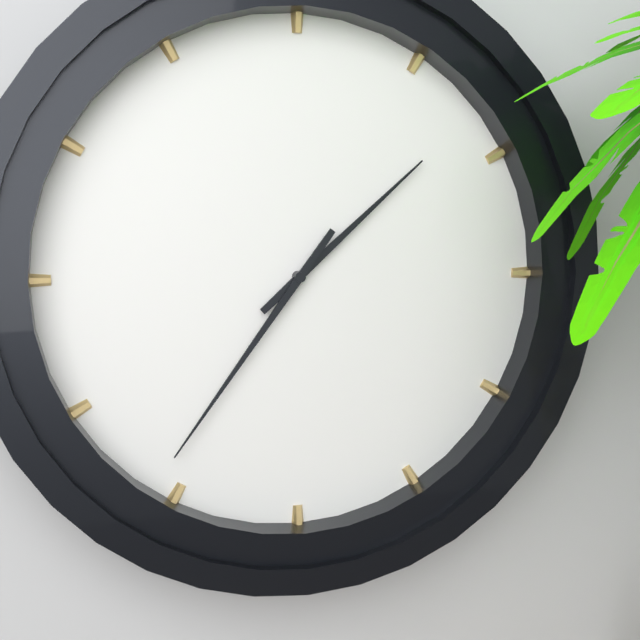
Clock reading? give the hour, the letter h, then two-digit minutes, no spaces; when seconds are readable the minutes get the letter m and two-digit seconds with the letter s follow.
1h36
